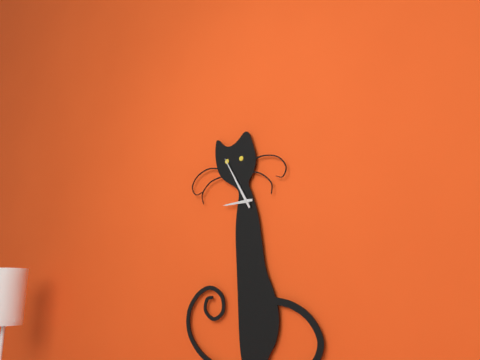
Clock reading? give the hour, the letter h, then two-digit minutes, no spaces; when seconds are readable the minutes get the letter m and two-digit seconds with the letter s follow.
8h55
